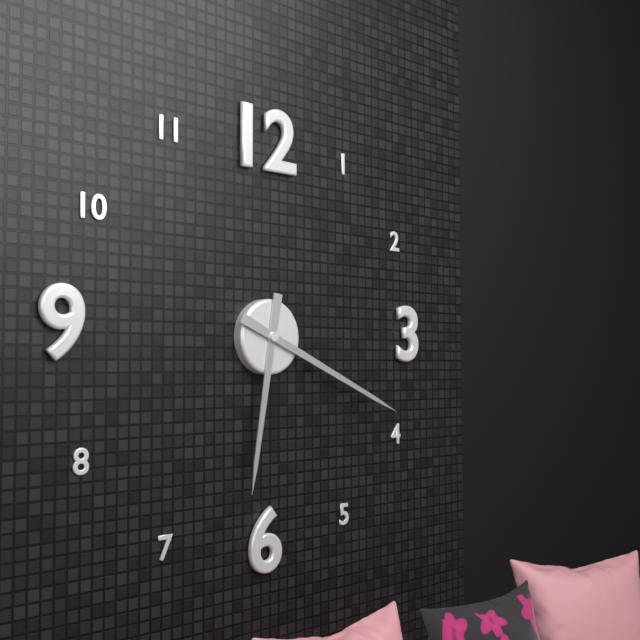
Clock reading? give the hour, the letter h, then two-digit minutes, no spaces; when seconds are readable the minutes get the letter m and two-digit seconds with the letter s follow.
6h19
